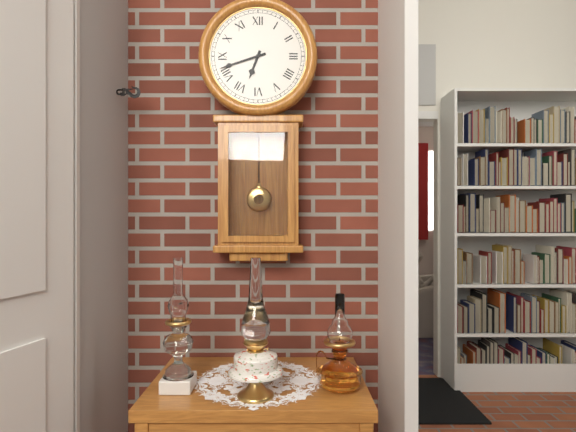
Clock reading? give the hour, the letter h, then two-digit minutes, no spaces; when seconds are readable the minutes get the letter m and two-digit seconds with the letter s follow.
6h42
